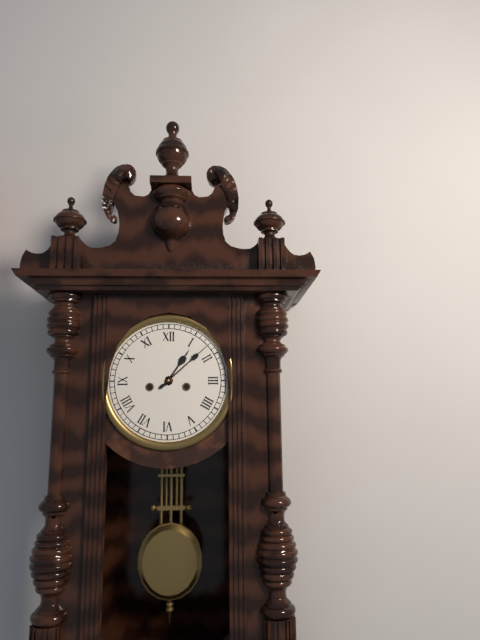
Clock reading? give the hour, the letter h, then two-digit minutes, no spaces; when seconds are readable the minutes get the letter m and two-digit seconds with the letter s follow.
1h08
